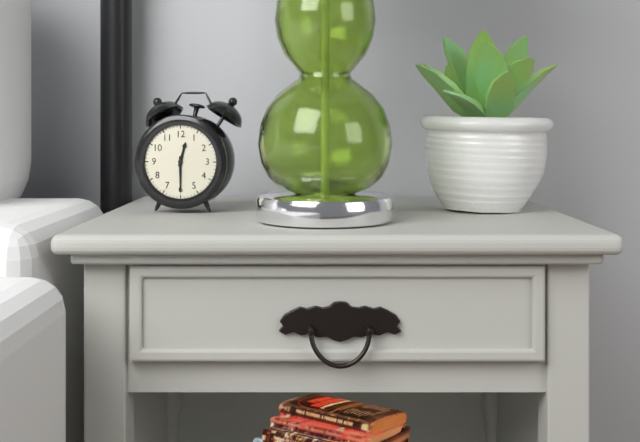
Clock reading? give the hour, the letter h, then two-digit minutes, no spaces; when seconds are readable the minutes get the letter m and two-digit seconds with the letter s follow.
12h30
